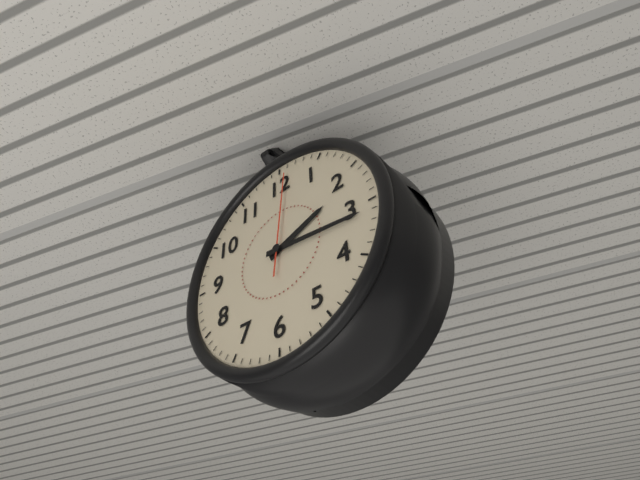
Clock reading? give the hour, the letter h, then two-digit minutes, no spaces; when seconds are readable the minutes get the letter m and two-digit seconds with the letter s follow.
2h16m01s
